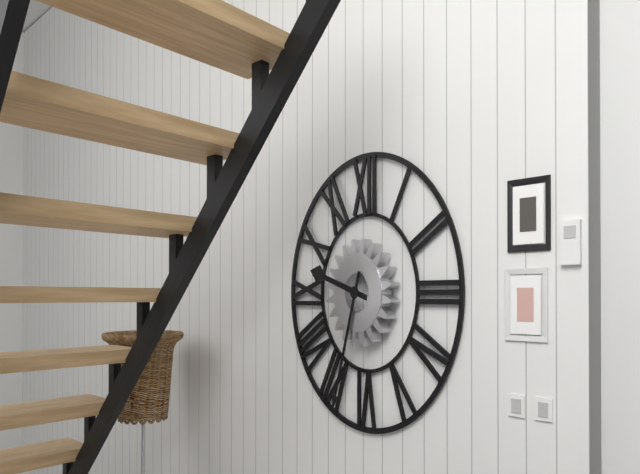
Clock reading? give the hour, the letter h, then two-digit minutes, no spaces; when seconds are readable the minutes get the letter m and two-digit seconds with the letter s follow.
9h33
